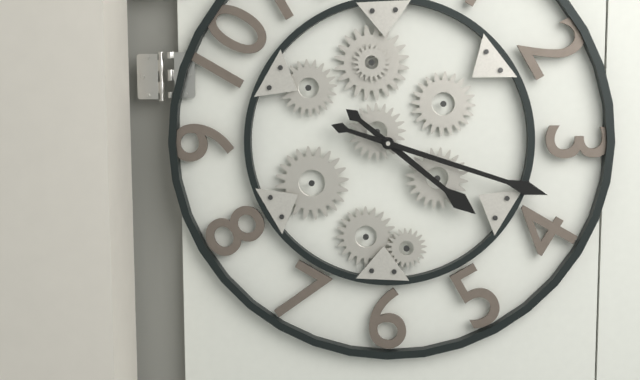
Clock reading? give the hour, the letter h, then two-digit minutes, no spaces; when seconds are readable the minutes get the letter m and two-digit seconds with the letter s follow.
4h18
